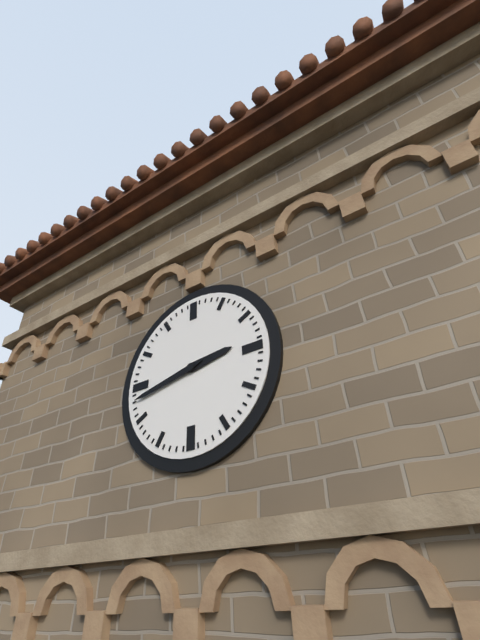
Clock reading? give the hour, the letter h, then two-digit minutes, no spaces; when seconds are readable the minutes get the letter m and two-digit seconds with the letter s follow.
2h43
